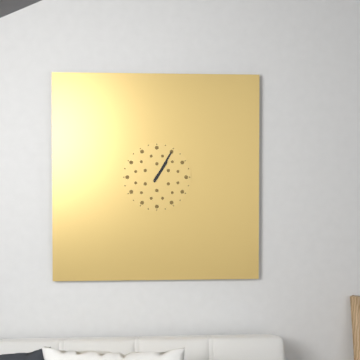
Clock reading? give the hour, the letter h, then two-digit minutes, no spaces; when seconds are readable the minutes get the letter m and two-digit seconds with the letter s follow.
1h05
